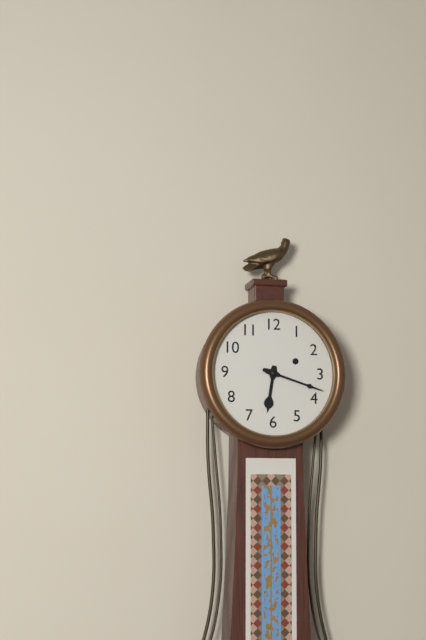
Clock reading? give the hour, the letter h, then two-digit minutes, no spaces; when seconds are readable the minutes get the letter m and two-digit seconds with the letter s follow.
6h18
